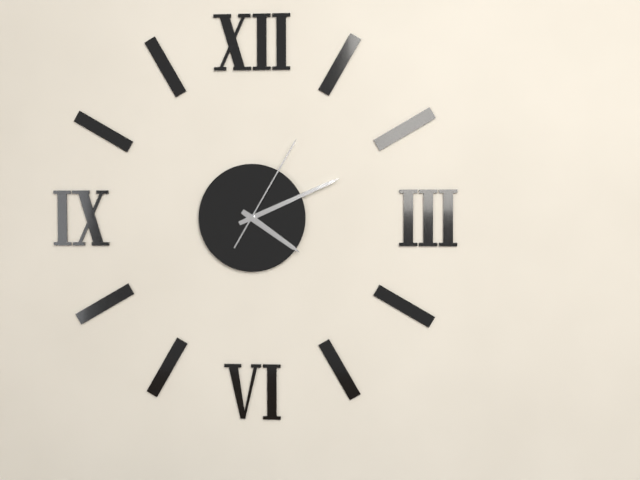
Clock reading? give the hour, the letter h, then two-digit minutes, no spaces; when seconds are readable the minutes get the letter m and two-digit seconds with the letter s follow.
4h11m05s
